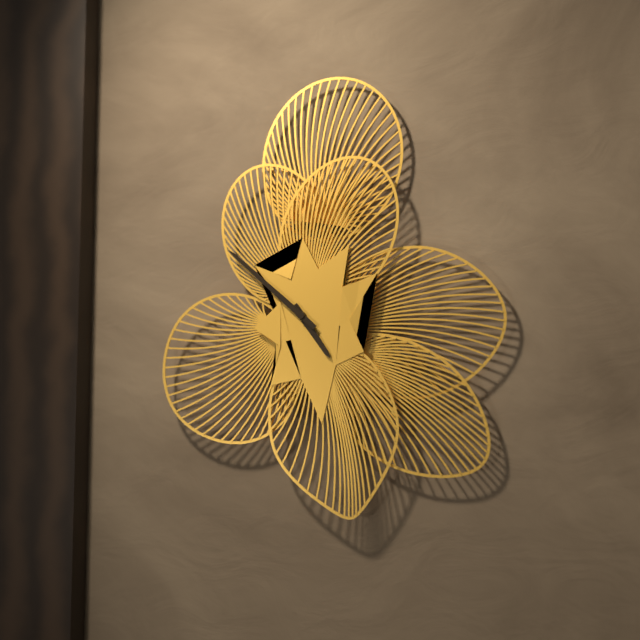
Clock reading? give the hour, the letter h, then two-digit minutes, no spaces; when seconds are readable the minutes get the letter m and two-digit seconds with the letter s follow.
4h52
